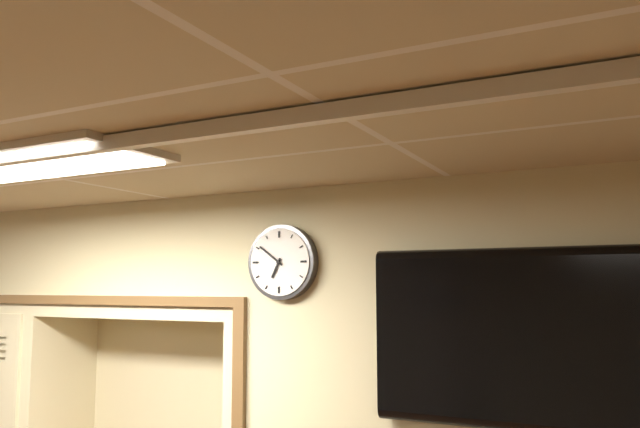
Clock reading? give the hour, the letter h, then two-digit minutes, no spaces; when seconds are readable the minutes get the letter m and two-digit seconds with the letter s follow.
6h51
